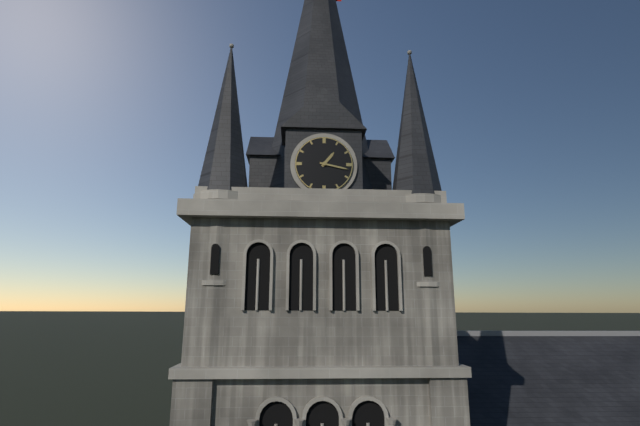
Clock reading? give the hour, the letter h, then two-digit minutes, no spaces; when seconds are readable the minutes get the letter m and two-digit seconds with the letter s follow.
1h17
